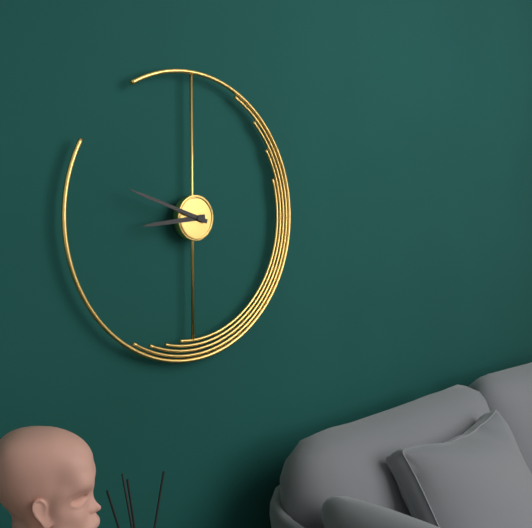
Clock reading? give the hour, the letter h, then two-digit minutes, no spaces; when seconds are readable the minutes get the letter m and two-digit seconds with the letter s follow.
8h48
